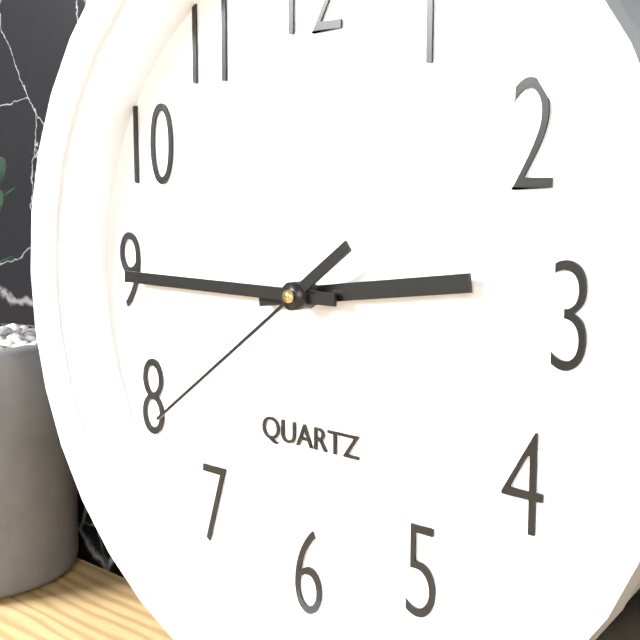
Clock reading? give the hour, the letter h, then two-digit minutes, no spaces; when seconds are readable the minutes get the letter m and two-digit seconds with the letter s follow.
2h45m39s
